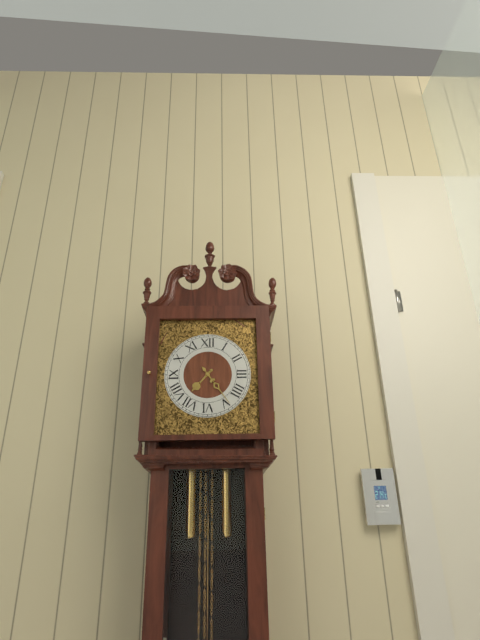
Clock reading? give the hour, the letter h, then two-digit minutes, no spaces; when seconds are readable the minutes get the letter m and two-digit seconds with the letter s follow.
7h24
